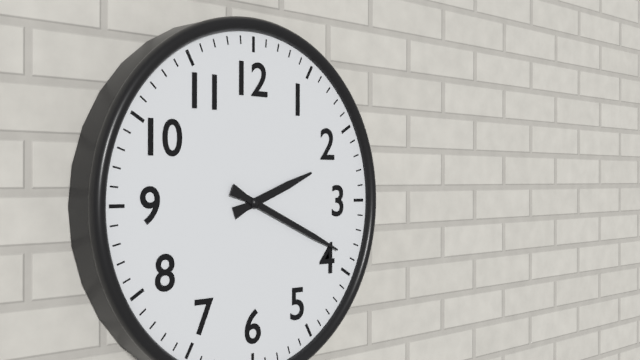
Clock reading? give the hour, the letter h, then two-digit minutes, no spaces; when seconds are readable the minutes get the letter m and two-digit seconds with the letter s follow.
2h19
